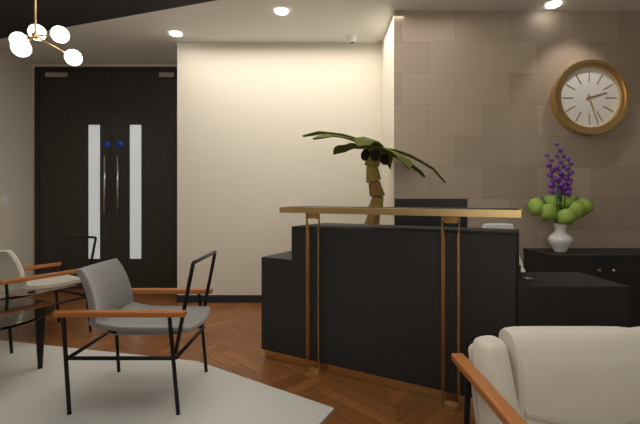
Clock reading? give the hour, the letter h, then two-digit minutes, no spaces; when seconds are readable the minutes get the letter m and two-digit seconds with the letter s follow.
2h27
